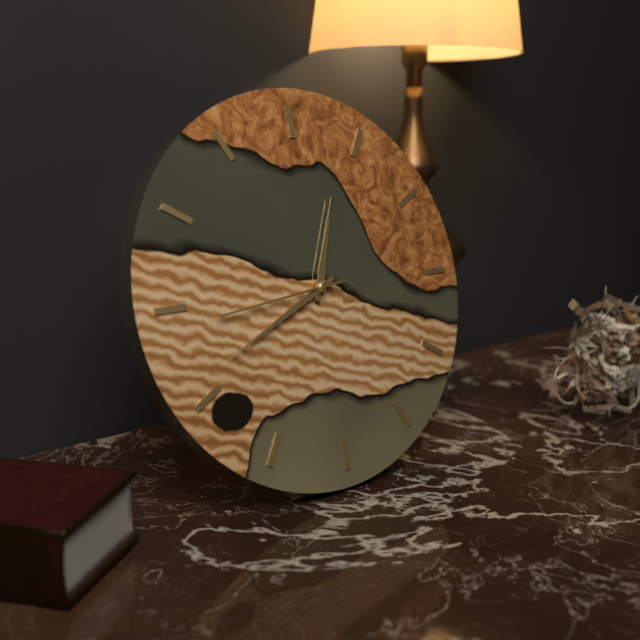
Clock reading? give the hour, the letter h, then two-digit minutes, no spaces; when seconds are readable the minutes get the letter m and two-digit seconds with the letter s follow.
12h41m44s
